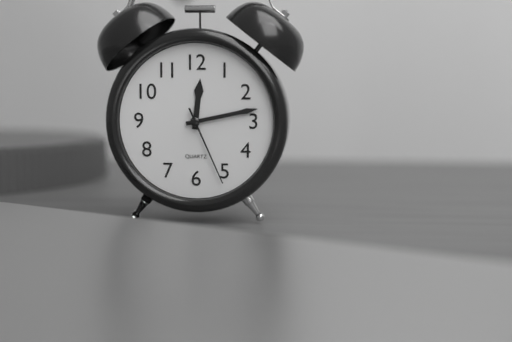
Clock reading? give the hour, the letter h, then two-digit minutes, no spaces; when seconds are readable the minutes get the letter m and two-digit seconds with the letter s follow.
12h13m26s
